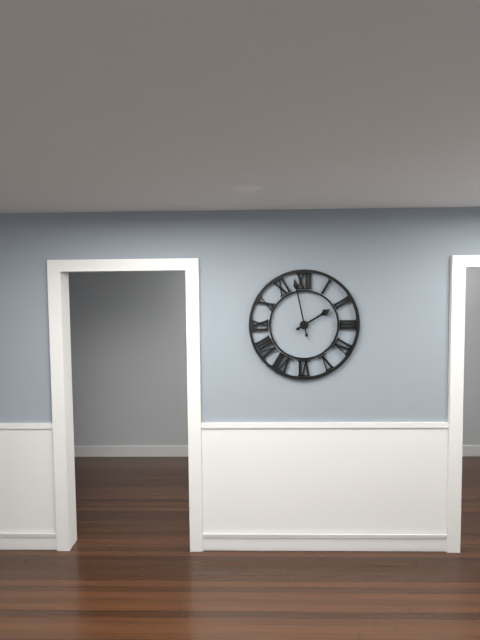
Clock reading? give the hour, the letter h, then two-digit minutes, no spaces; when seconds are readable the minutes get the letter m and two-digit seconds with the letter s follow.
1h58
